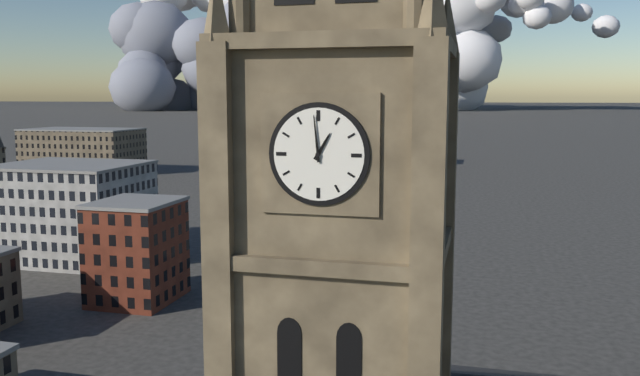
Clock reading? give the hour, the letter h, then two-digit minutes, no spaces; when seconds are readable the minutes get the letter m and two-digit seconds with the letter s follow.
12h59
